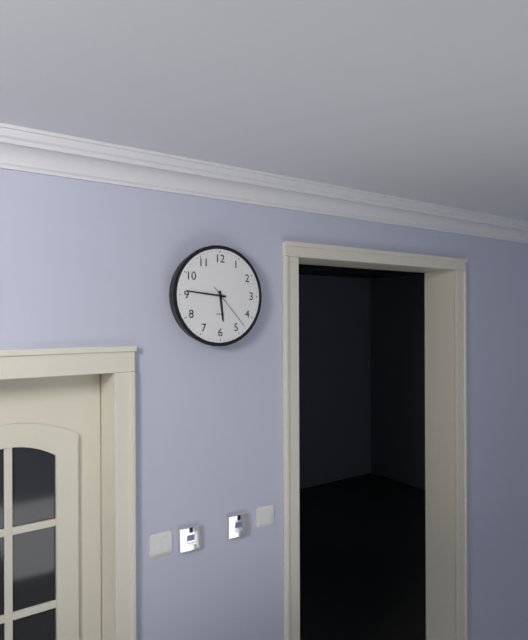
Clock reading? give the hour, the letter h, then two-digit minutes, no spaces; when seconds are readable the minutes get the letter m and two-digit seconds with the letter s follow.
5h46
